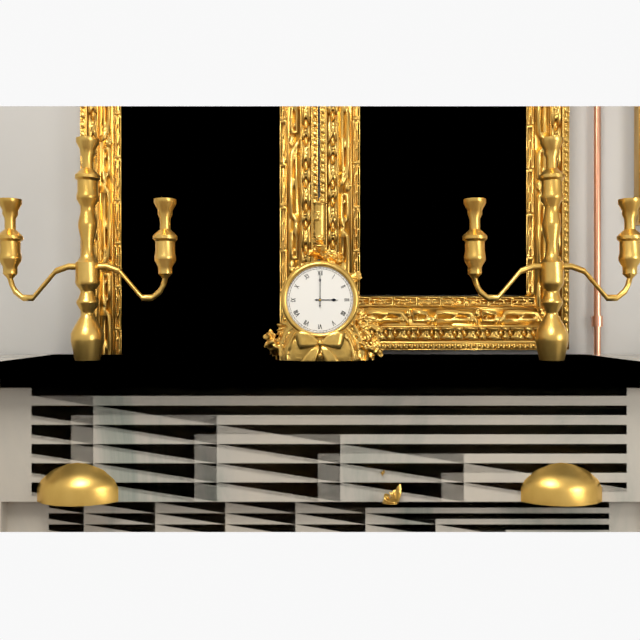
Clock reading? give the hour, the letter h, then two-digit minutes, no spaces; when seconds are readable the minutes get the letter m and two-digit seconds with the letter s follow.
3h00
